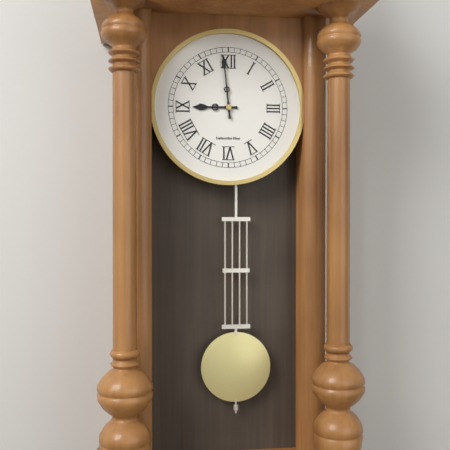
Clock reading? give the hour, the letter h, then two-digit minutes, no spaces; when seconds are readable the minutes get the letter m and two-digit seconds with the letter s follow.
8h59
